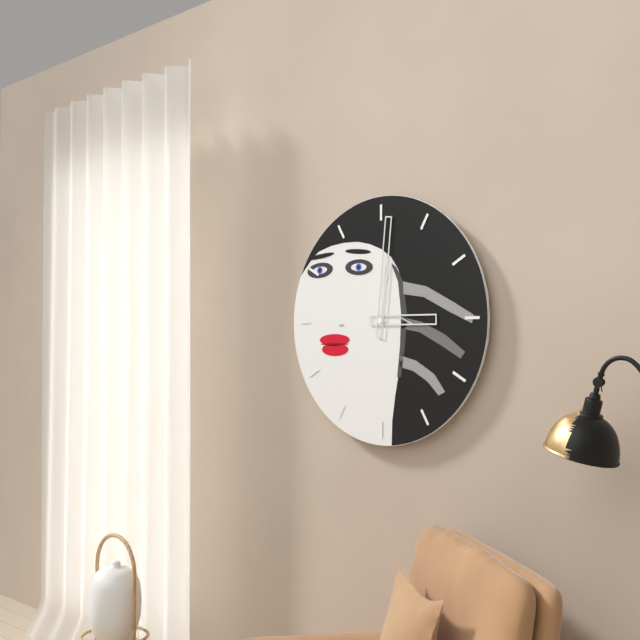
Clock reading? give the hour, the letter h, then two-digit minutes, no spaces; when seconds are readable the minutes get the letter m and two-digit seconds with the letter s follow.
3h01
